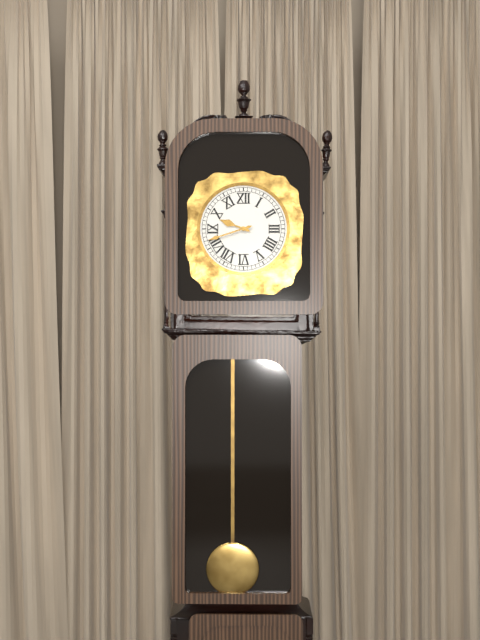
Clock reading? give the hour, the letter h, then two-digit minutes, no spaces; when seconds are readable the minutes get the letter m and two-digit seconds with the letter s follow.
9h42
